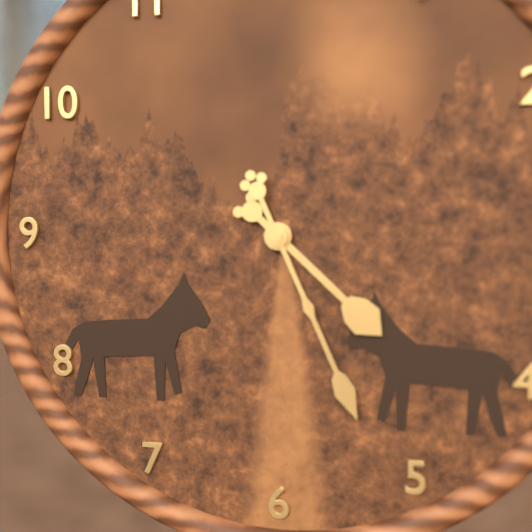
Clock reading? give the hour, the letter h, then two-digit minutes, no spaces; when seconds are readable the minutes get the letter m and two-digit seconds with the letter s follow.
4h26
